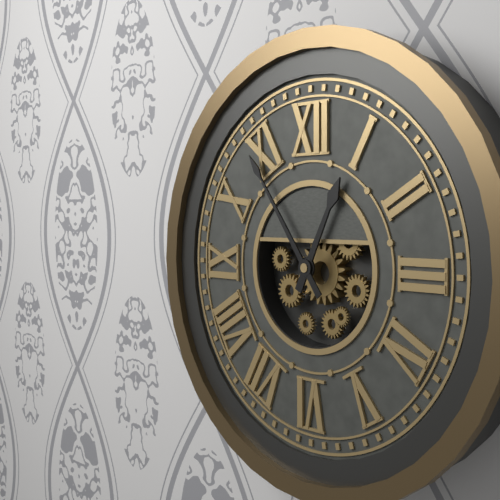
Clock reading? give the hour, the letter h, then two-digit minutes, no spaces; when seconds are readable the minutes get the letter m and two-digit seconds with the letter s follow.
12h54
